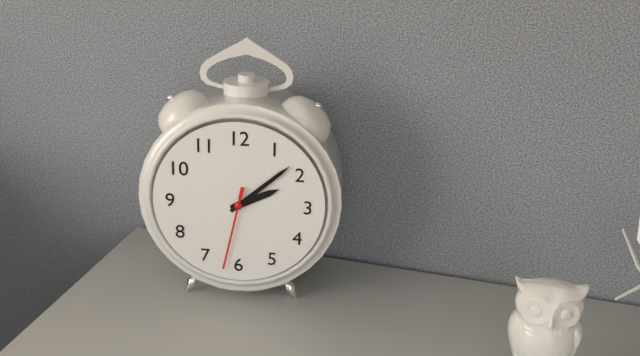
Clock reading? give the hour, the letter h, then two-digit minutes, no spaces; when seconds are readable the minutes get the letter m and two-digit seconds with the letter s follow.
2h08m32s
